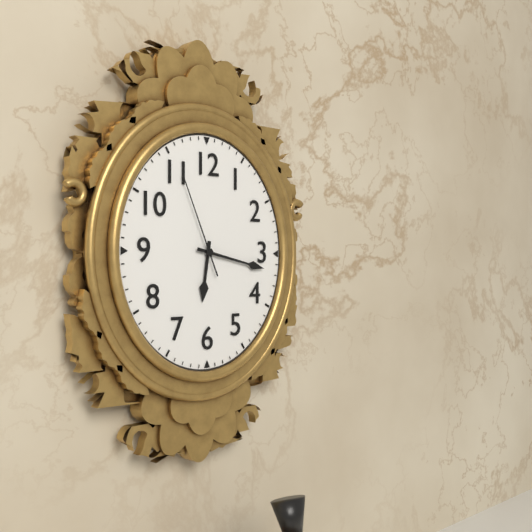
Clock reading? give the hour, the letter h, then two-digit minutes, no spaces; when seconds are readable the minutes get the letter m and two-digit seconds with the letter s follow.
6h17m56s
